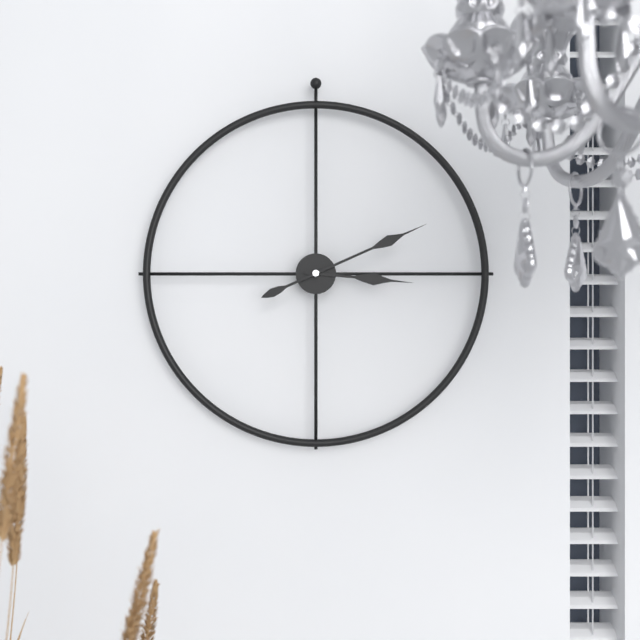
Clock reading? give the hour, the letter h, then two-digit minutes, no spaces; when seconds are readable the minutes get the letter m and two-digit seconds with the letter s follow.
3h11
